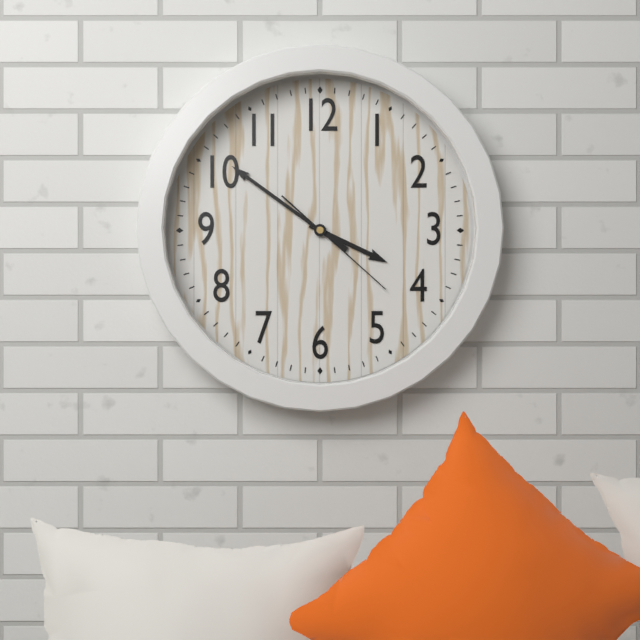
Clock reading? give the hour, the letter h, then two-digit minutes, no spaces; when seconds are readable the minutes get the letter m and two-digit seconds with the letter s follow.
3h51m22s
